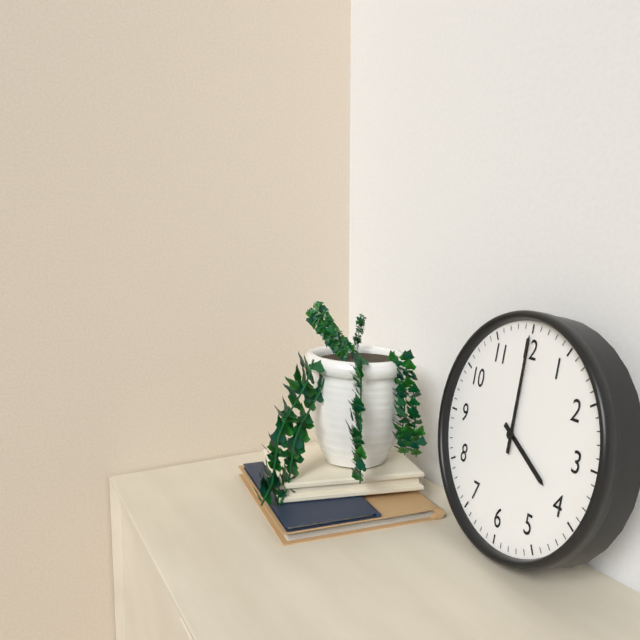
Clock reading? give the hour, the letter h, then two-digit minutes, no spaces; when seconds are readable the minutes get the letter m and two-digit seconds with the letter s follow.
4h00
